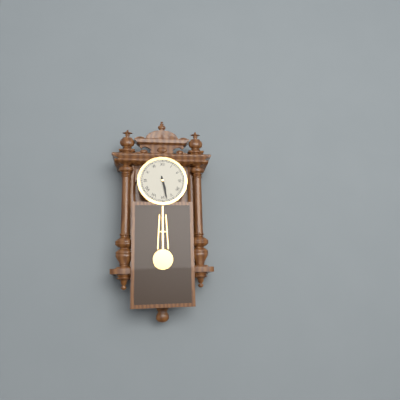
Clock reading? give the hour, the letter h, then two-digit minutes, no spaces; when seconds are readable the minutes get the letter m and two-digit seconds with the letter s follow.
5h28
